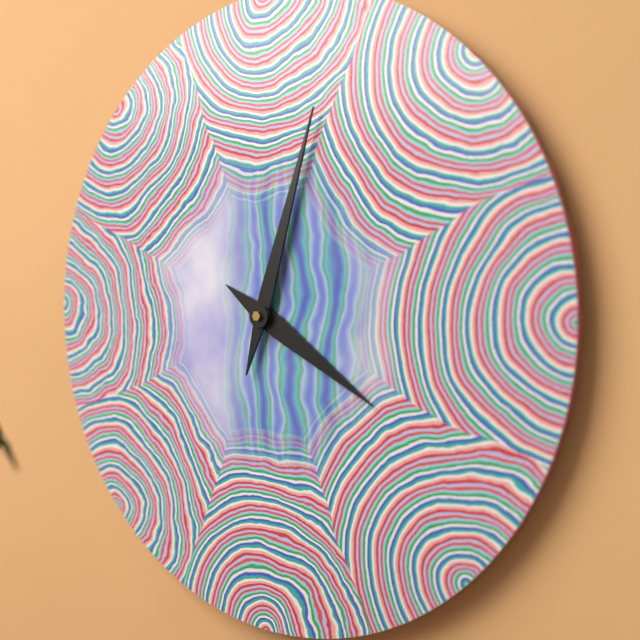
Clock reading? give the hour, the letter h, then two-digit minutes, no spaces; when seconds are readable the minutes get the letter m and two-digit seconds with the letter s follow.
4h03
